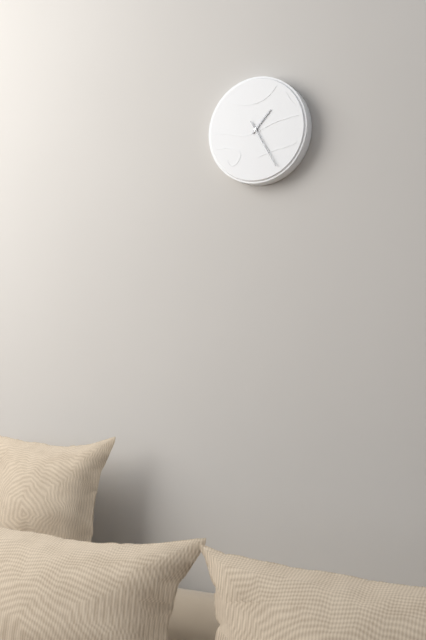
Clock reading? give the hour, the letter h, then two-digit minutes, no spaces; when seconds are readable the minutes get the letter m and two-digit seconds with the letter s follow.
1h25
